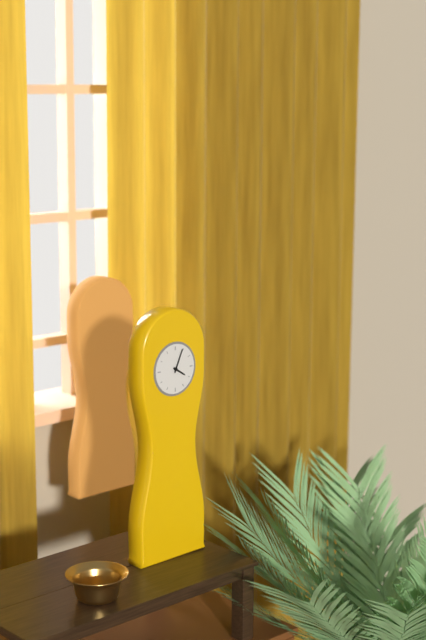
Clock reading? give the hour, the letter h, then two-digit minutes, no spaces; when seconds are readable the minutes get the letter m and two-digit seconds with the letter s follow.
4h04
